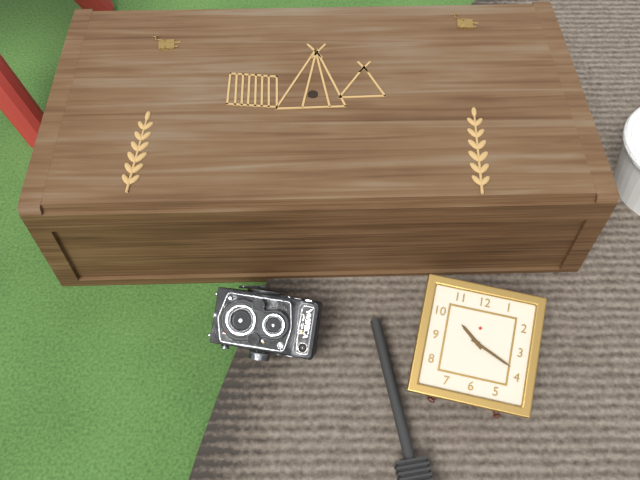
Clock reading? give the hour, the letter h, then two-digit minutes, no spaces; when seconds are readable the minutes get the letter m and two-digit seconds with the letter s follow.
10h19
